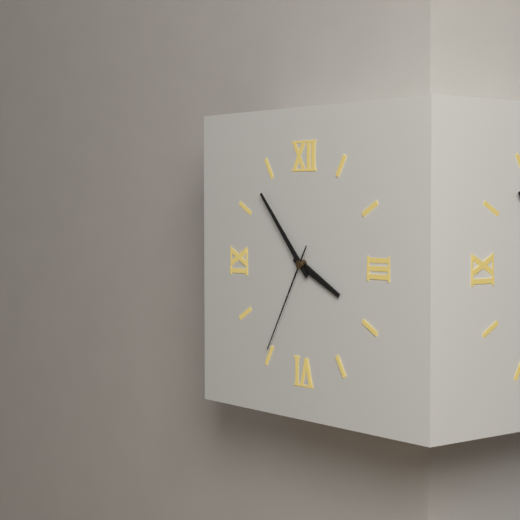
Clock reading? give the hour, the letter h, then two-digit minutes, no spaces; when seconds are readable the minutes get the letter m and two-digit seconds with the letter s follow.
3h53m35s
